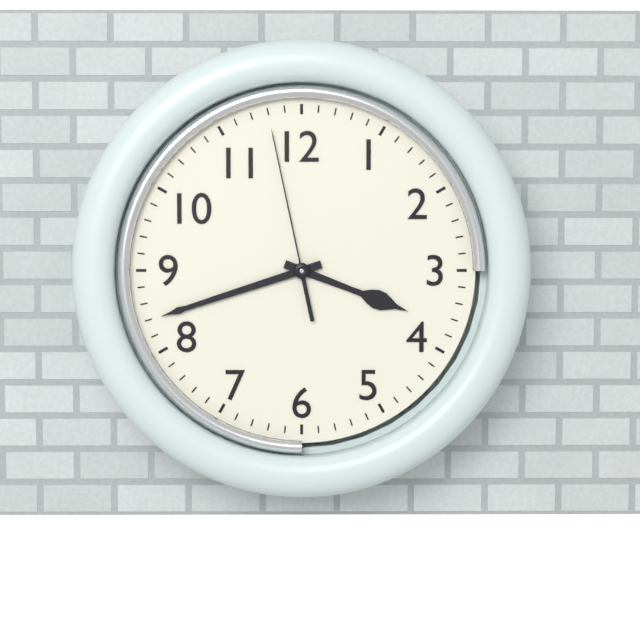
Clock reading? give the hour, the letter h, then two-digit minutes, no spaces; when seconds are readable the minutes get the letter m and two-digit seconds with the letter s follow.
3h42m58s
